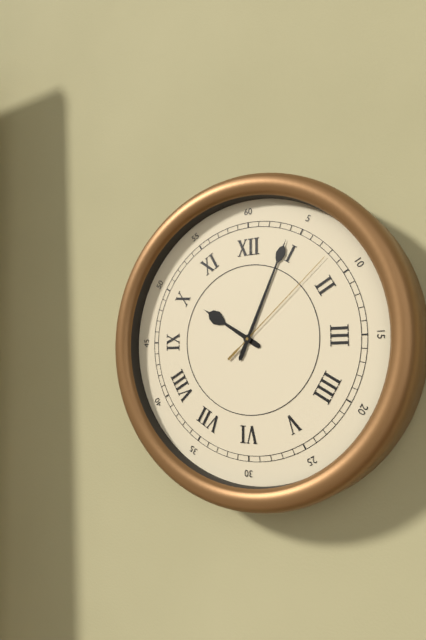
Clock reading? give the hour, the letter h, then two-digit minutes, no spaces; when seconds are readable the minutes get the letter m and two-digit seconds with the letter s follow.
10h04m08s
